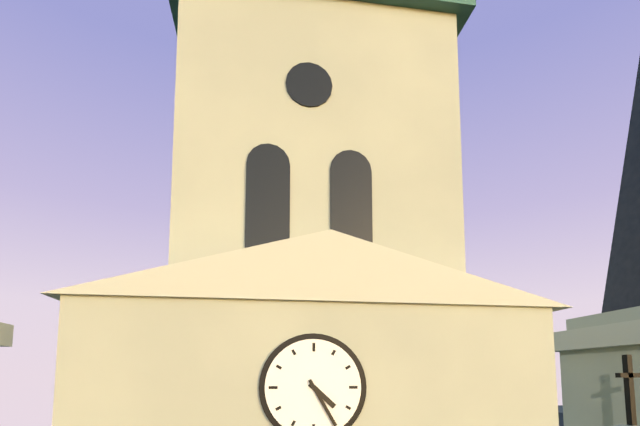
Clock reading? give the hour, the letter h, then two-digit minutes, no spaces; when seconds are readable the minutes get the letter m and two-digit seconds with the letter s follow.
4h25
